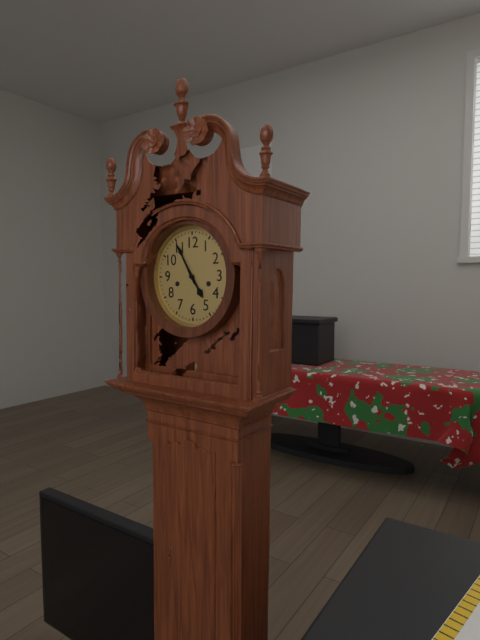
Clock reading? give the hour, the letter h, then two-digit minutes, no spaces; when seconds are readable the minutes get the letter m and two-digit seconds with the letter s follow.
4h55
